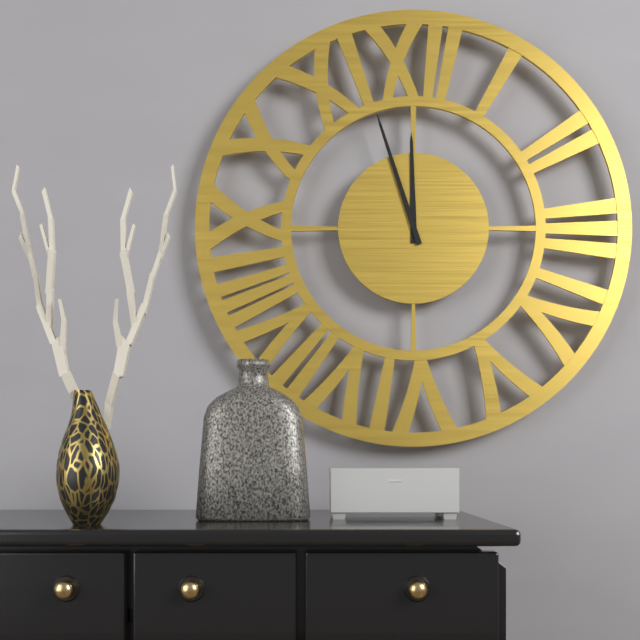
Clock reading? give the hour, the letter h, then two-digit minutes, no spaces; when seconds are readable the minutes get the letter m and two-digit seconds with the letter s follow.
11h57
